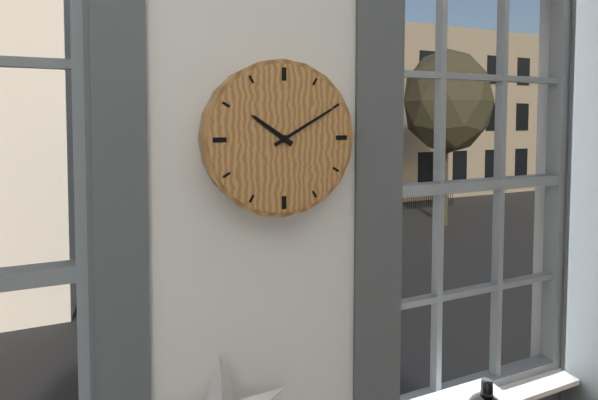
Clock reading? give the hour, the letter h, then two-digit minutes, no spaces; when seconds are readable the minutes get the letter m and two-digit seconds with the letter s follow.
10h10
